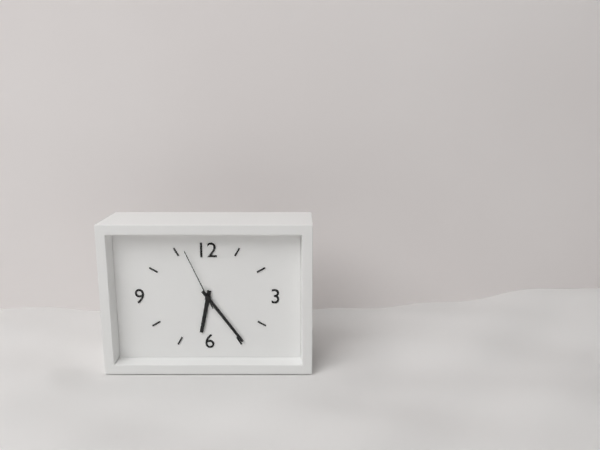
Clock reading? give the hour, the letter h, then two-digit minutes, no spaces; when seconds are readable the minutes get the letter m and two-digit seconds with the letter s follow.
6h24m56s
